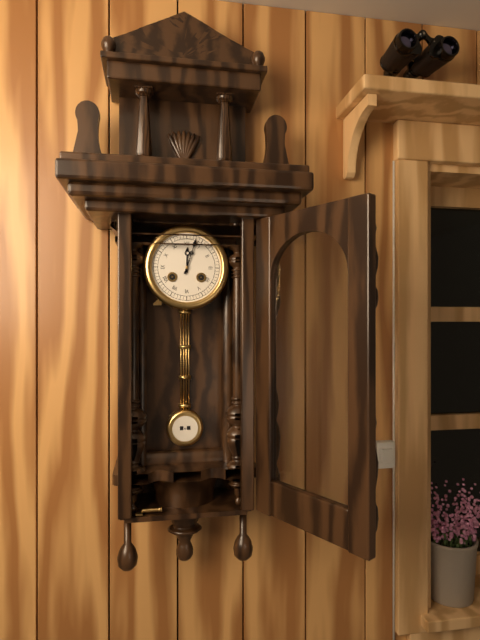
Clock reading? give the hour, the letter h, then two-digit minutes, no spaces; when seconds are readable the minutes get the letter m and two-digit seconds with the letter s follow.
12h03
